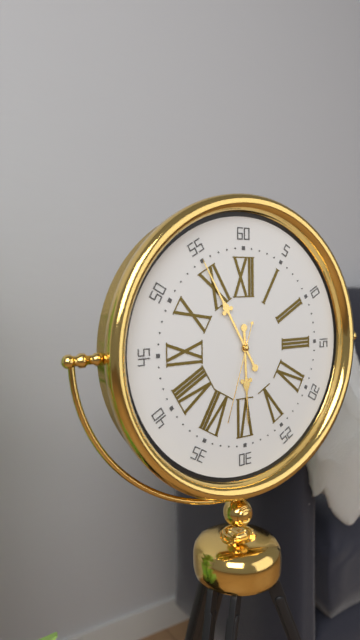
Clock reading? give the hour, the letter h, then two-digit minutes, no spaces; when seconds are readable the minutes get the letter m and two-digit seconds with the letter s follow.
5h55m33s
